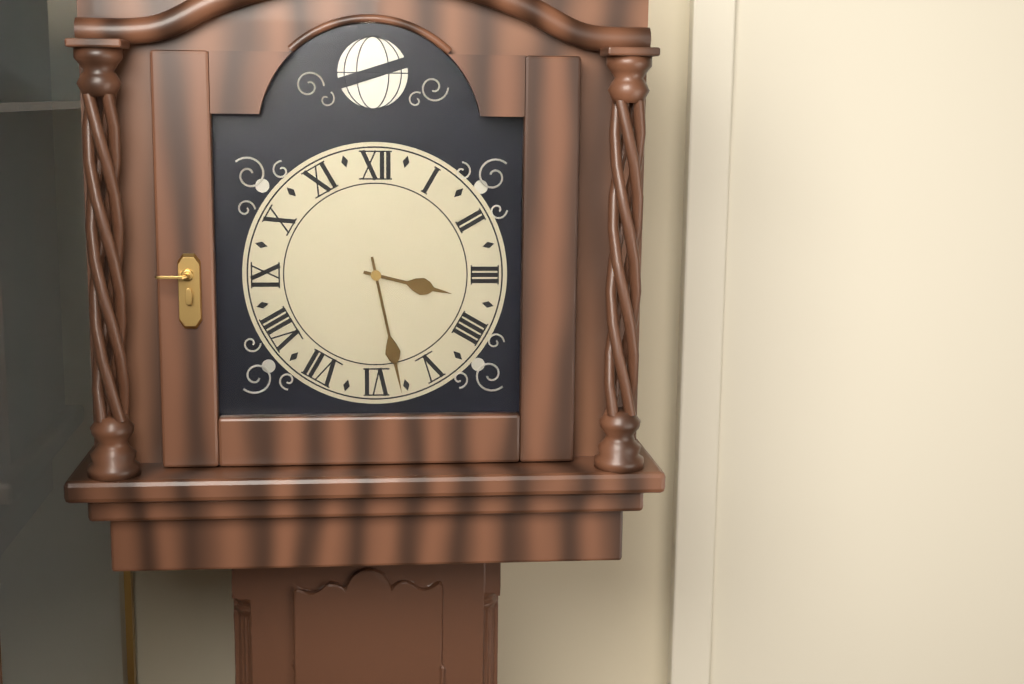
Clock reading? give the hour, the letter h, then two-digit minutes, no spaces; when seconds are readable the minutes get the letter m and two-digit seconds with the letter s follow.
3h28
